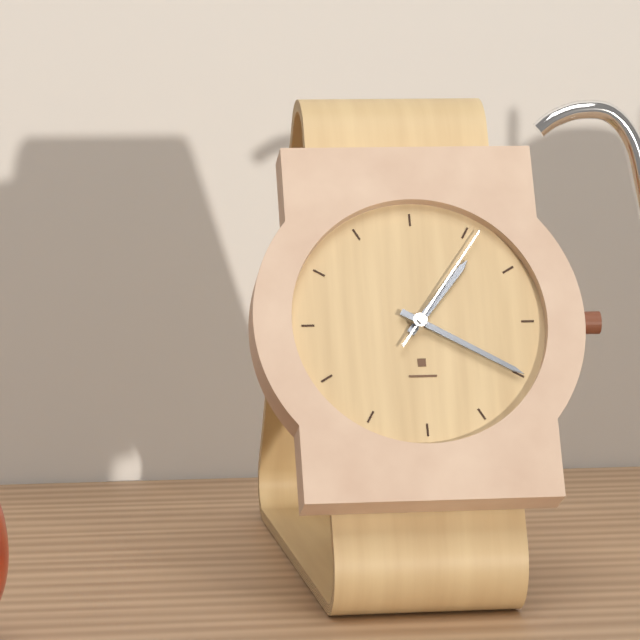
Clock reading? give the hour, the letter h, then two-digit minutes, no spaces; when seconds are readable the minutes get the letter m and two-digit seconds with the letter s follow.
1h20m06s
